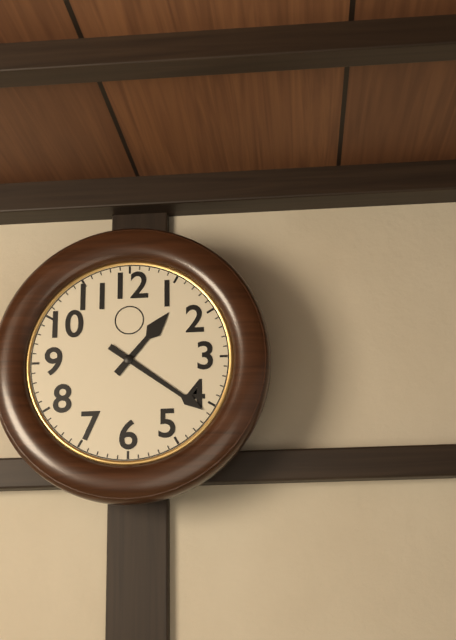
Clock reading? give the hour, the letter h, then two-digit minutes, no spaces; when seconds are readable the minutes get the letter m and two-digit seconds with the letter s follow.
1h21
